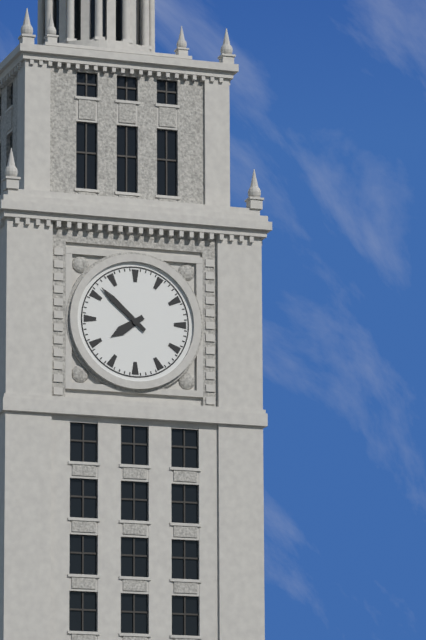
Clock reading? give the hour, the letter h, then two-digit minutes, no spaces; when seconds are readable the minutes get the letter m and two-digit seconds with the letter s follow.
7h52
